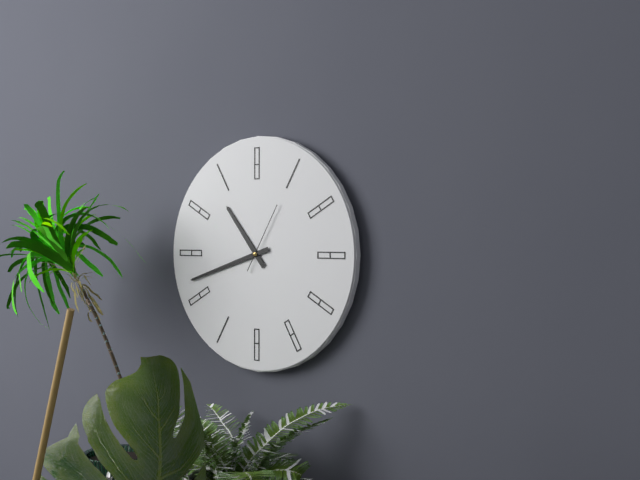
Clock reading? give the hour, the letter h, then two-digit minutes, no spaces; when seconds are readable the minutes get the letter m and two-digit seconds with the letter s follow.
10h42m05s
